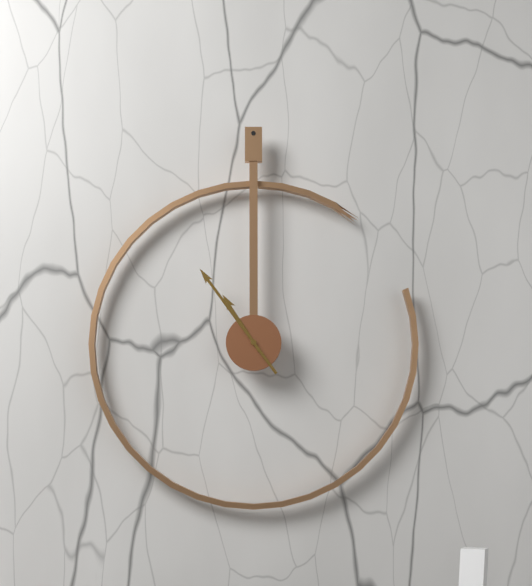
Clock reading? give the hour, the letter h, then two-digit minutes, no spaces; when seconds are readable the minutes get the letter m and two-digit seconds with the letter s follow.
10h54
